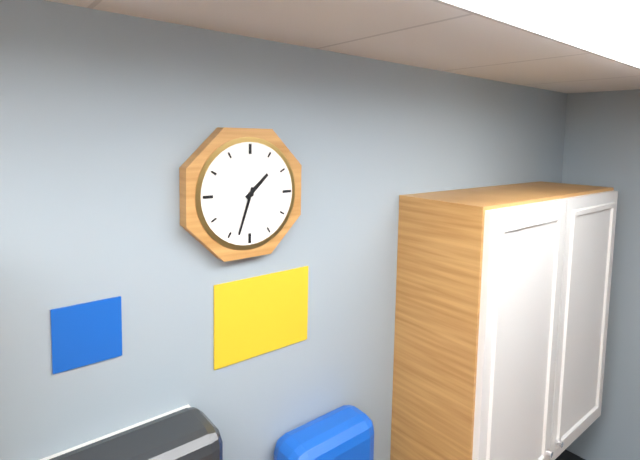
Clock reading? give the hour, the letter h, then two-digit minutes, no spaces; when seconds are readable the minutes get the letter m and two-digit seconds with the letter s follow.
1h33
